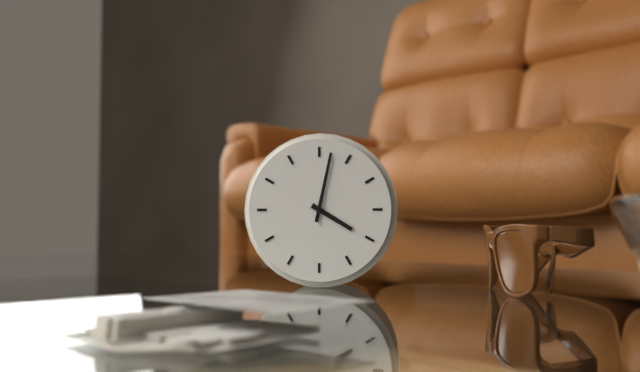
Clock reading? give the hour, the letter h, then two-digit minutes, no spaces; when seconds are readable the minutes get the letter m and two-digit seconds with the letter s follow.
4h02
